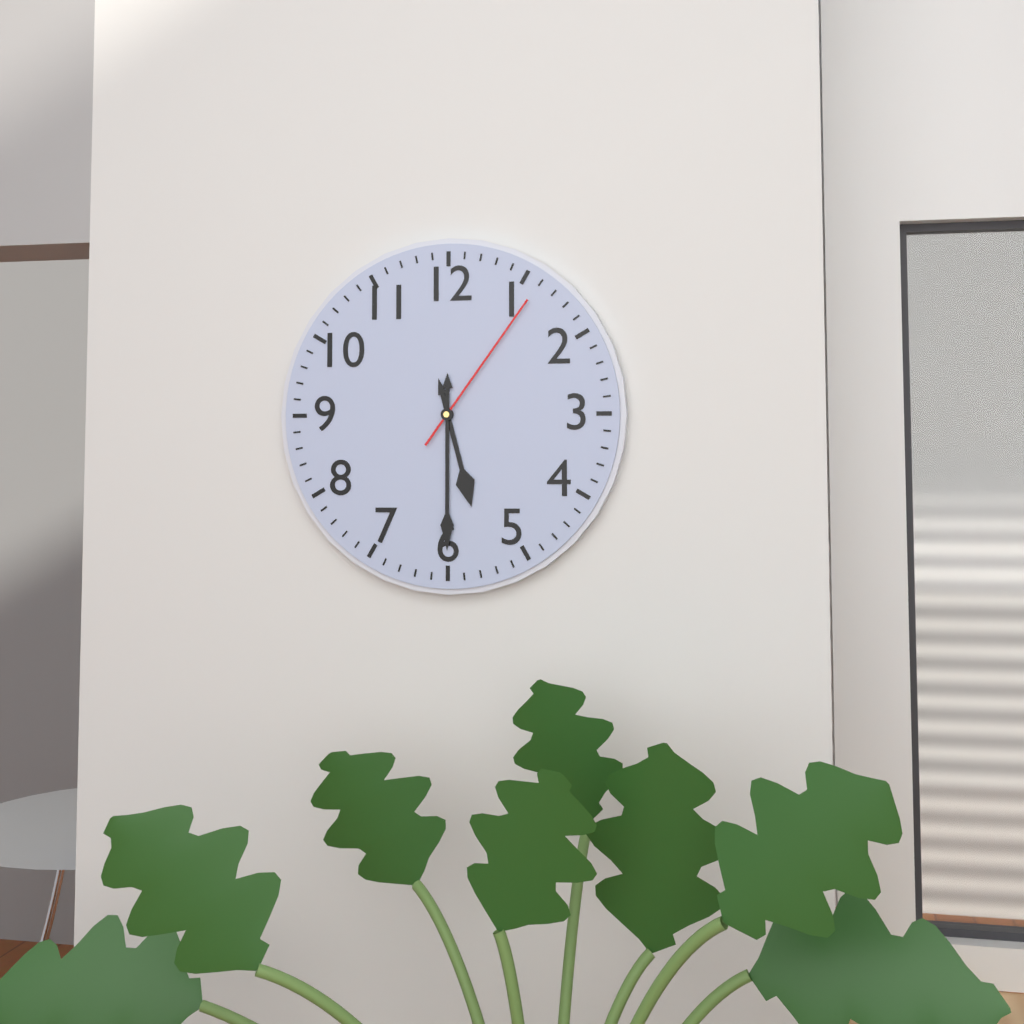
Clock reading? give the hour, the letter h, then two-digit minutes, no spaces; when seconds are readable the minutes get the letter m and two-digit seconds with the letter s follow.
5h30m06s
